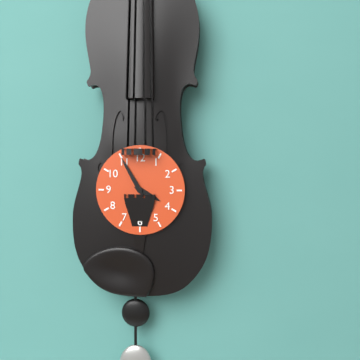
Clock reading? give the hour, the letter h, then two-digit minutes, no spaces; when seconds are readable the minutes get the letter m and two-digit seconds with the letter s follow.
3h55
